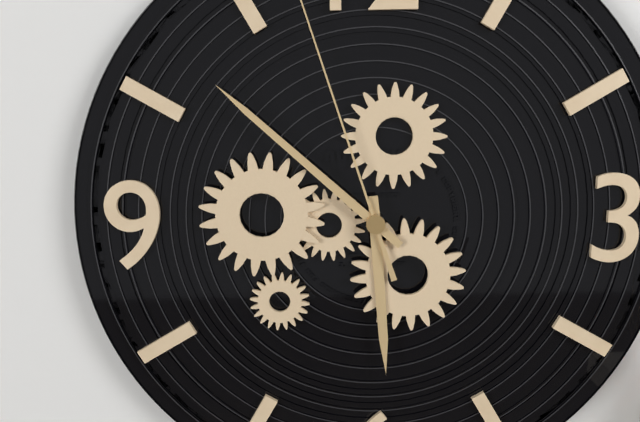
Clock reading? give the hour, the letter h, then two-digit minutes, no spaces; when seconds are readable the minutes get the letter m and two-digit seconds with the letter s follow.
5h52
